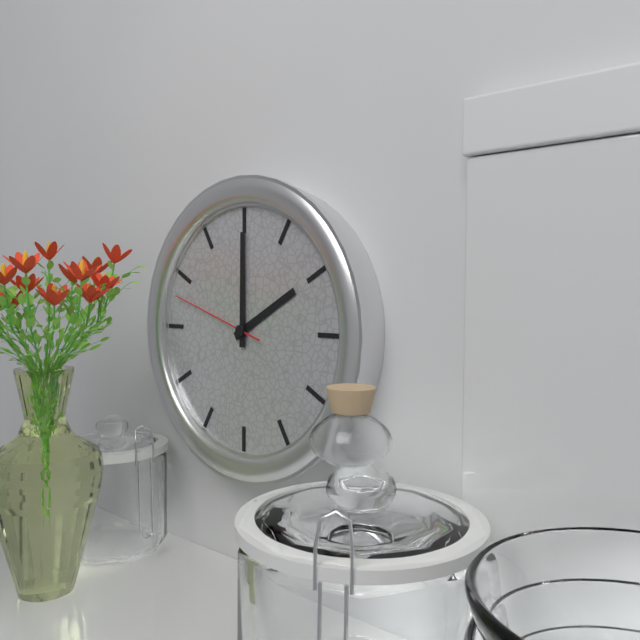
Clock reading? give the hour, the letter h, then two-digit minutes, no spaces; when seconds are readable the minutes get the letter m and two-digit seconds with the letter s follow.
2h00m48s
